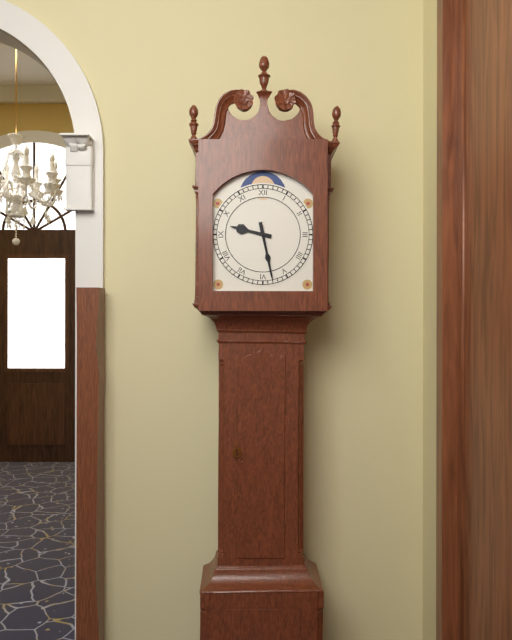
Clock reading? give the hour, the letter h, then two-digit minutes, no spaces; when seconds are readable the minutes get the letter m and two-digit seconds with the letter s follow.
9h28
